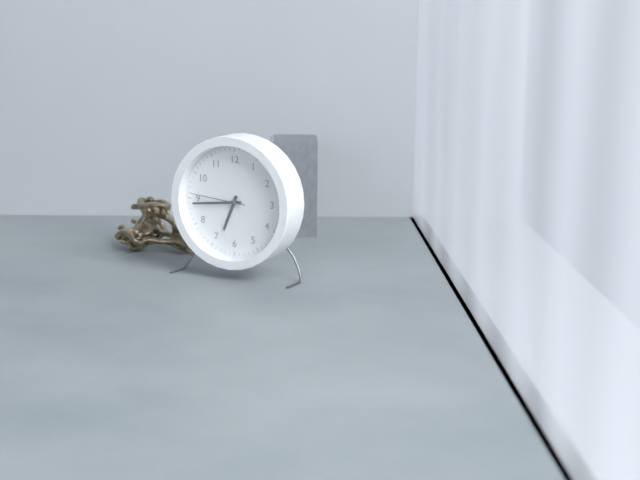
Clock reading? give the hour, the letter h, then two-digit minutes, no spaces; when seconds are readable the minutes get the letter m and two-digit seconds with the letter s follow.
6h44m46s
